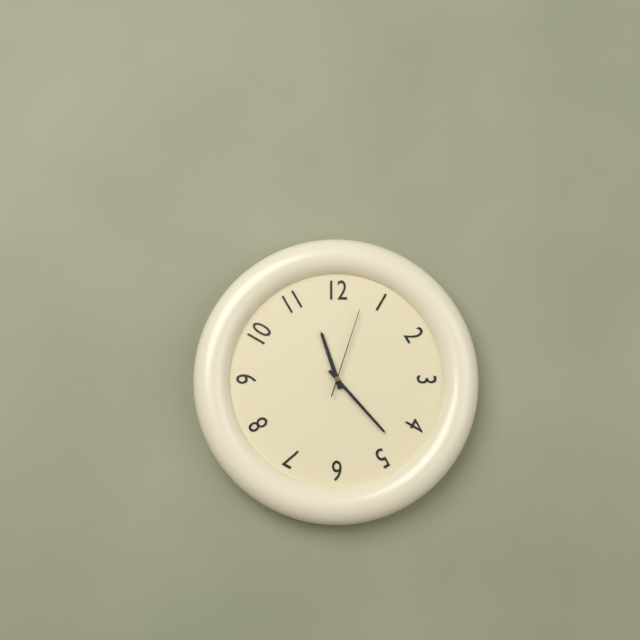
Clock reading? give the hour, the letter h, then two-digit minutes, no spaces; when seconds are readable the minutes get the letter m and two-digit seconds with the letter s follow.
11h23m03s
